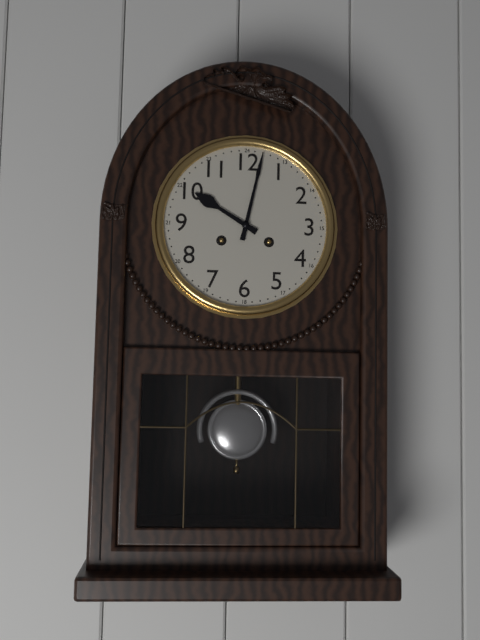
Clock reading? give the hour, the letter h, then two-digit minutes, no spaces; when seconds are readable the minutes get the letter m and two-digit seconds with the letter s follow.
10h02
